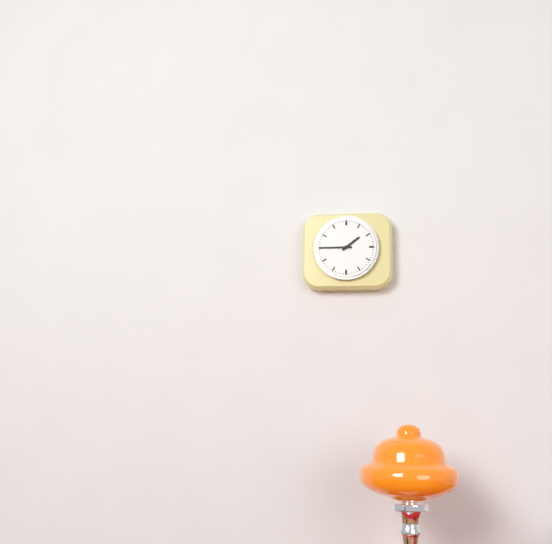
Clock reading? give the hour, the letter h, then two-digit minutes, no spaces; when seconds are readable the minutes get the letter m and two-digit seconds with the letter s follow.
1h45
